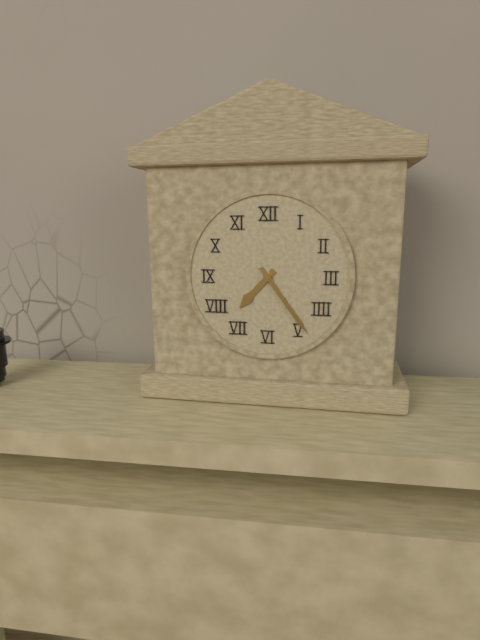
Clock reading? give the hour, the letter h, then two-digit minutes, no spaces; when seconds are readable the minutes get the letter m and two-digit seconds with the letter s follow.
7h24
